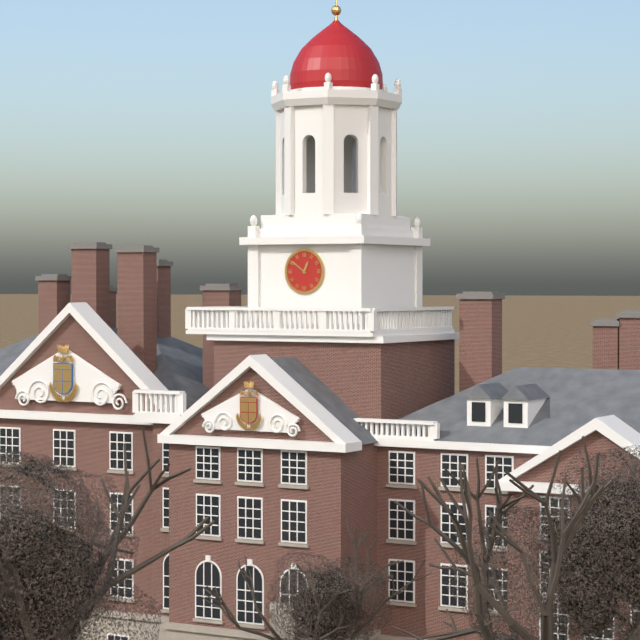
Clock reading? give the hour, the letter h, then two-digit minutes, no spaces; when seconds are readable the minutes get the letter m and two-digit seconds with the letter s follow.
12h51
